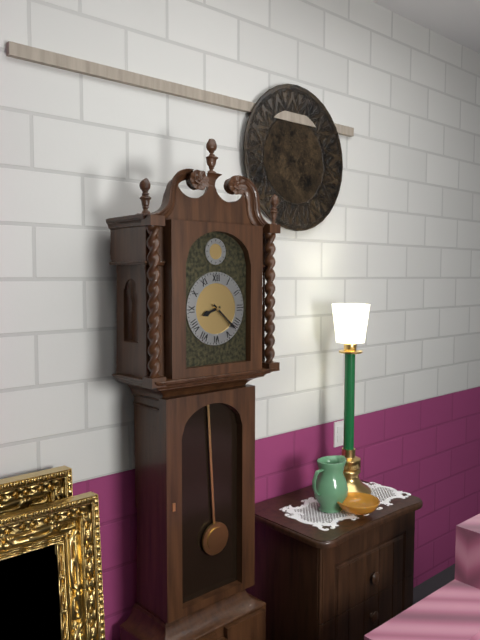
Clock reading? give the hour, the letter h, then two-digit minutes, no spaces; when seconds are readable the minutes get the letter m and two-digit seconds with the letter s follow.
8h22
